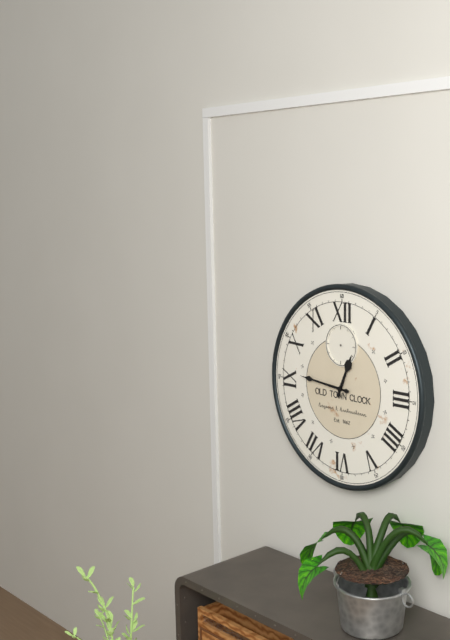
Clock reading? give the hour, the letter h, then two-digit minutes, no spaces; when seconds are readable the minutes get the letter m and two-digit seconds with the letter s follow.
12h46
